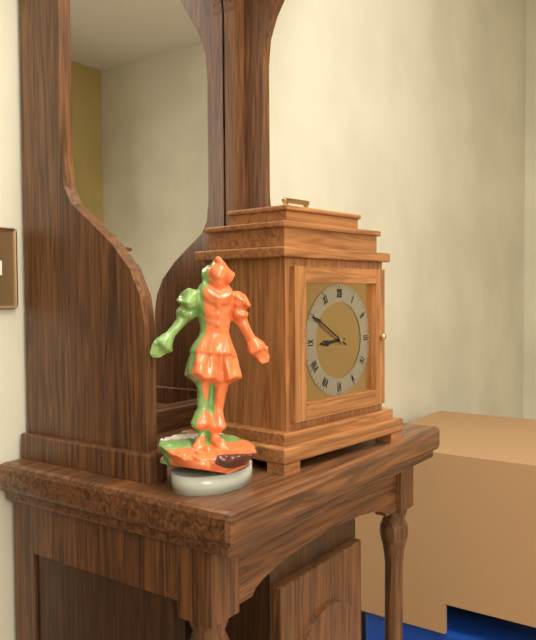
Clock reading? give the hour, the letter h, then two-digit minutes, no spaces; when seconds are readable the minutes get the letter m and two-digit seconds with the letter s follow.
8h50
